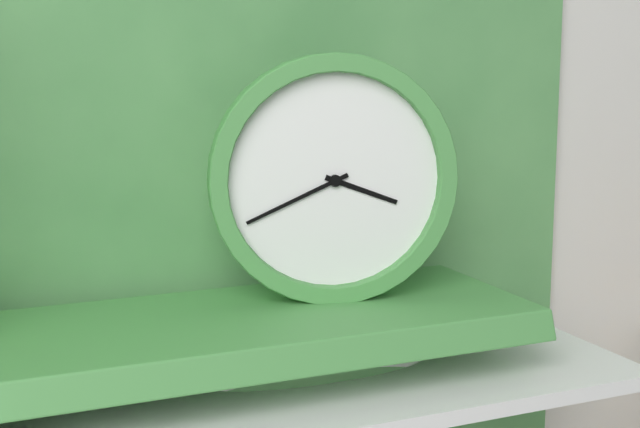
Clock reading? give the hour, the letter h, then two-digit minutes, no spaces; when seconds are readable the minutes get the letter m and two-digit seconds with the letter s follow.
3h41
